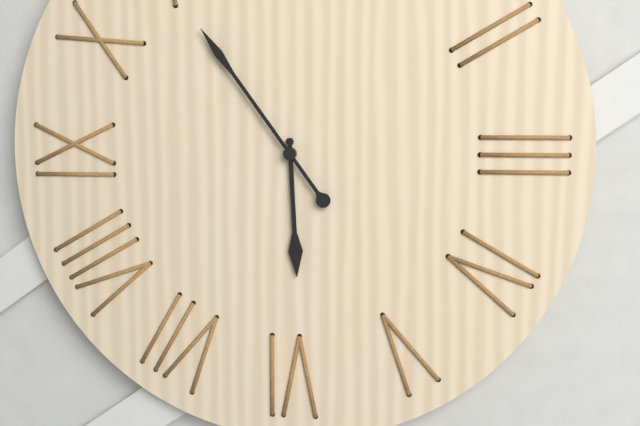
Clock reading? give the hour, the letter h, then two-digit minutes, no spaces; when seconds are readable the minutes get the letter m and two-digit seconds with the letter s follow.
5h54
